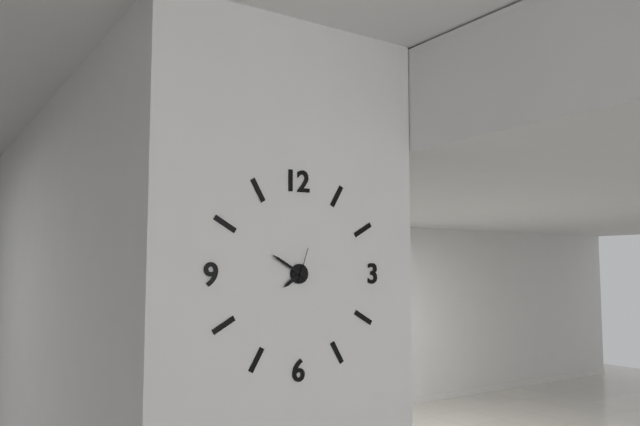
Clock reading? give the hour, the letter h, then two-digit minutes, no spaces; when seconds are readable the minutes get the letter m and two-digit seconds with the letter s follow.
7h50
